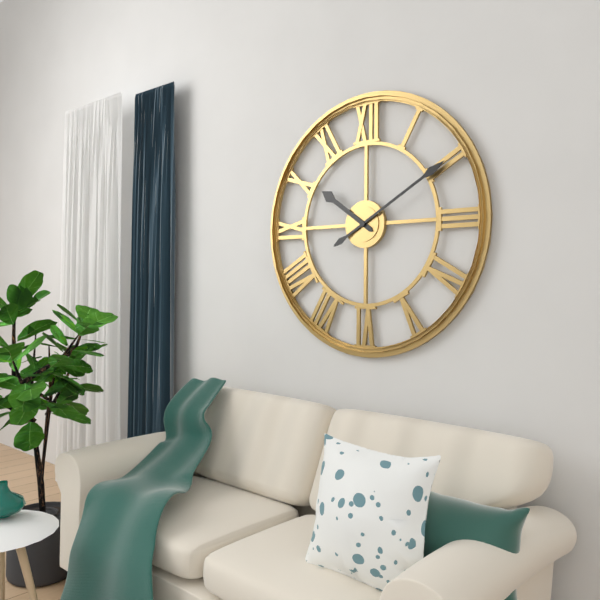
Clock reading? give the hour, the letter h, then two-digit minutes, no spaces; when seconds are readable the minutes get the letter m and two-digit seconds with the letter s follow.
10h10
